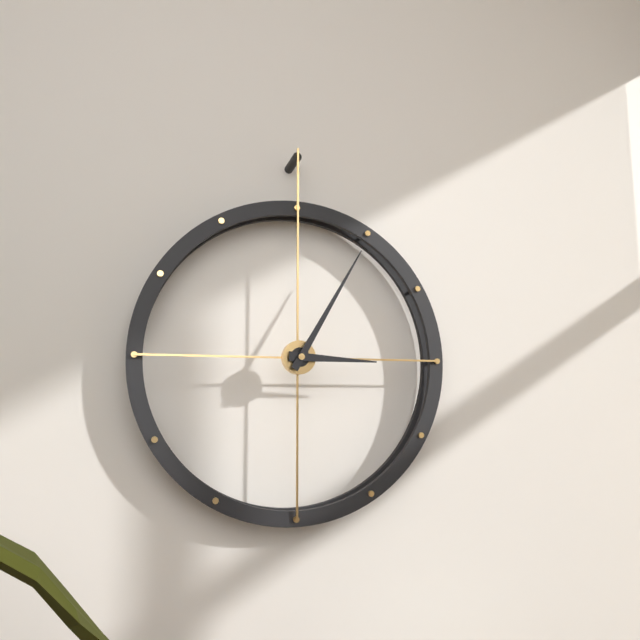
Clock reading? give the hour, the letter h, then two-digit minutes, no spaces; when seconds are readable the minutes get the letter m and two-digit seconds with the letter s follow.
3h05
